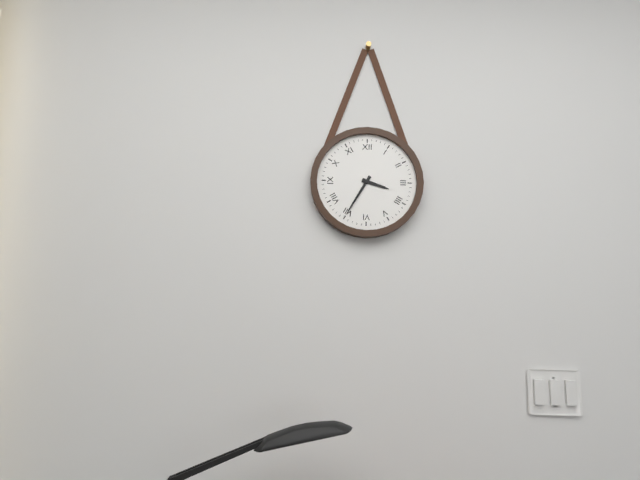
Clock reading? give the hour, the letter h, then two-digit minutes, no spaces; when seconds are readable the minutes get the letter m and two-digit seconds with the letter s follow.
3h35
